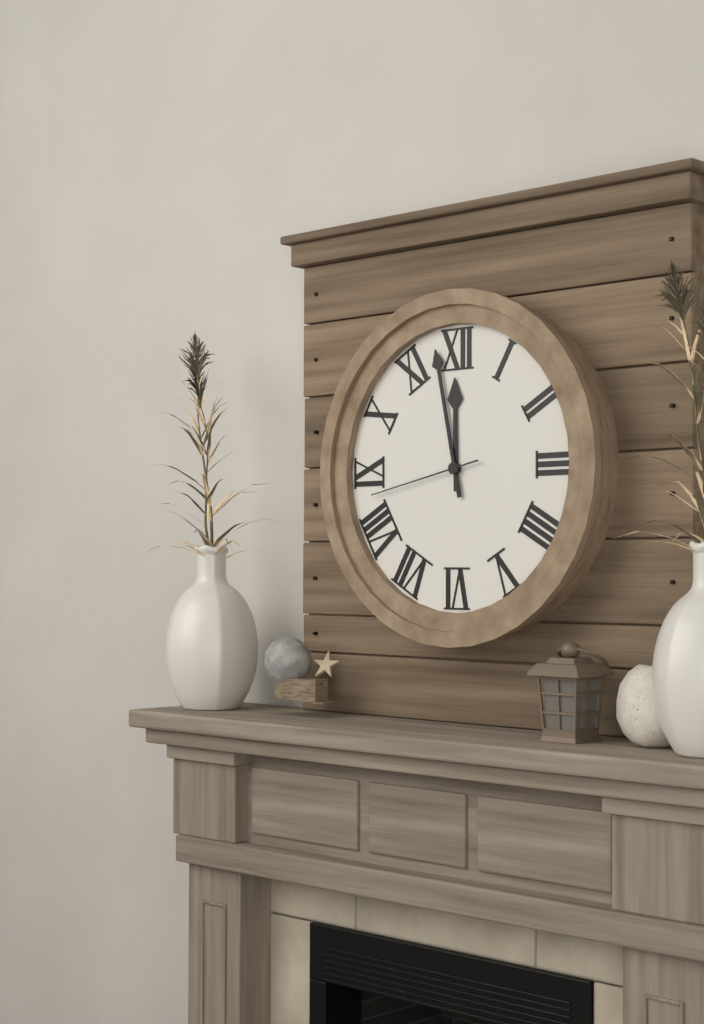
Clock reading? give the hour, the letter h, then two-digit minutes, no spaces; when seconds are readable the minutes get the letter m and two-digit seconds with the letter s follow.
11h58m43s
